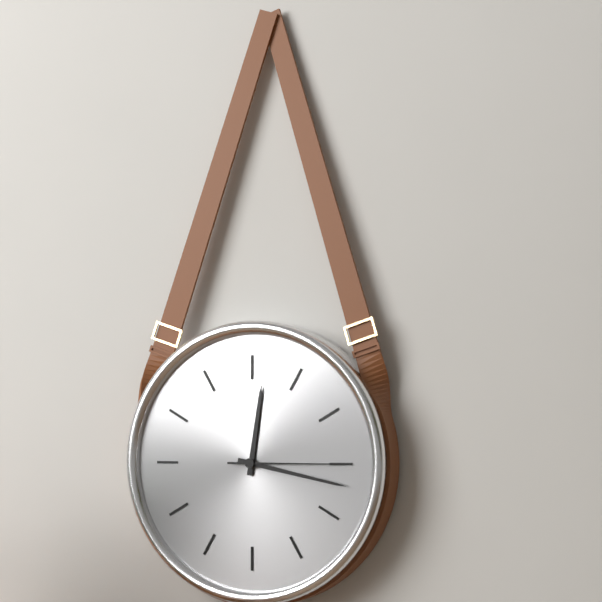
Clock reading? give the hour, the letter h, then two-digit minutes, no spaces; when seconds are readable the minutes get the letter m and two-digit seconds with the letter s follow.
12h17m15s
